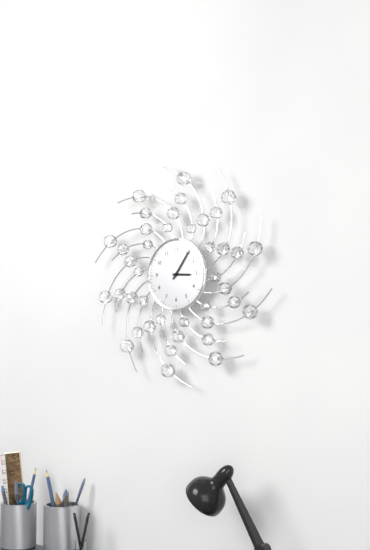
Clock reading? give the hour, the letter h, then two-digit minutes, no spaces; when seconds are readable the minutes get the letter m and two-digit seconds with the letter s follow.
3h06
